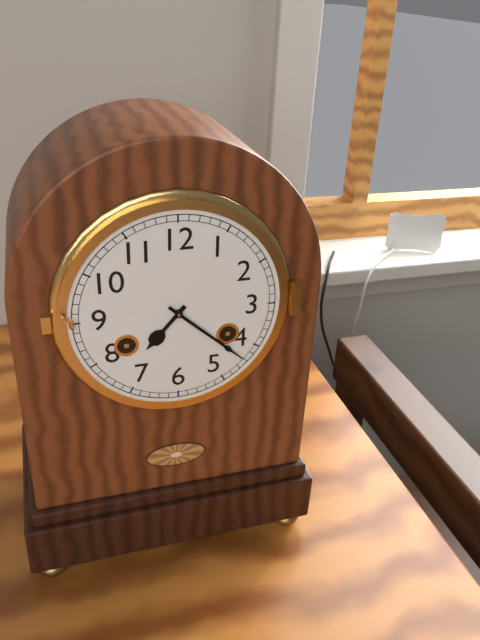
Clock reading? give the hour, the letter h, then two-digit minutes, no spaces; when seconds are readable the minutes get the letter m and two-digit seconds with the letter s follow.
7h22
